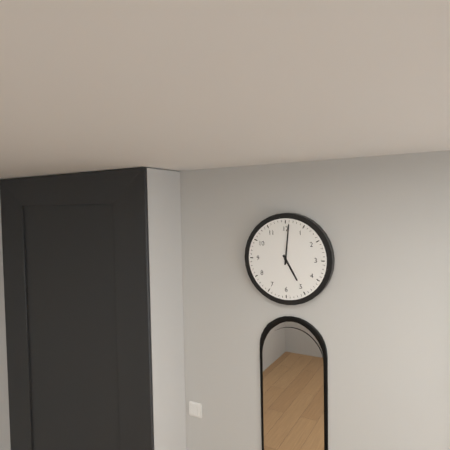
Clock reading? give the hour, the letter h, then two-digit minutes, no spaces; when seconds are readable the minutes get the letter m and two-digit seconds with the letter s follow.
5h01
